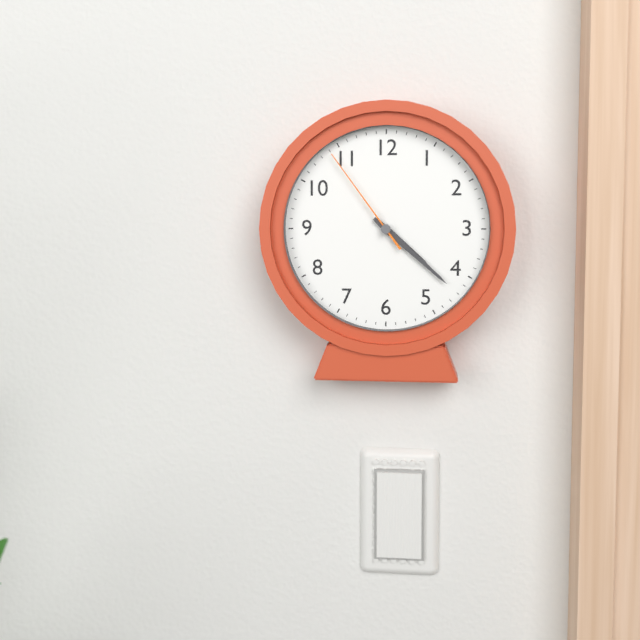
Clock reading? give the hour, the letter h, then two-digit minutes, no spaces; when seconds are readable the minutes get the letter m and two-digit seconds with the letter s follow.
4h22m54s
